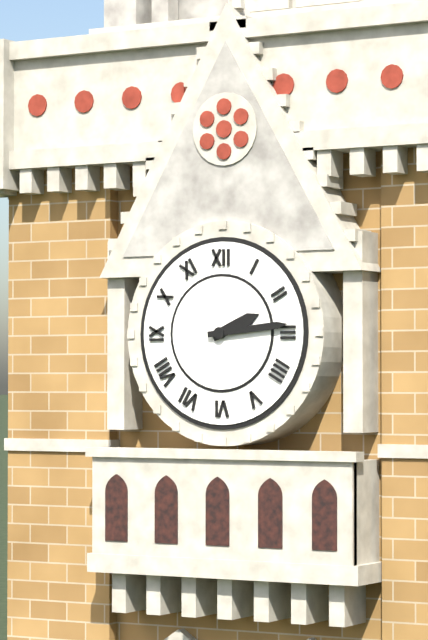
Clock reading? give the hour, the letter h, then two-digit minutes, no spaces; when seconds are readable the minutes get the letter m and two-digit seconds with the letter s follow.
2h14
